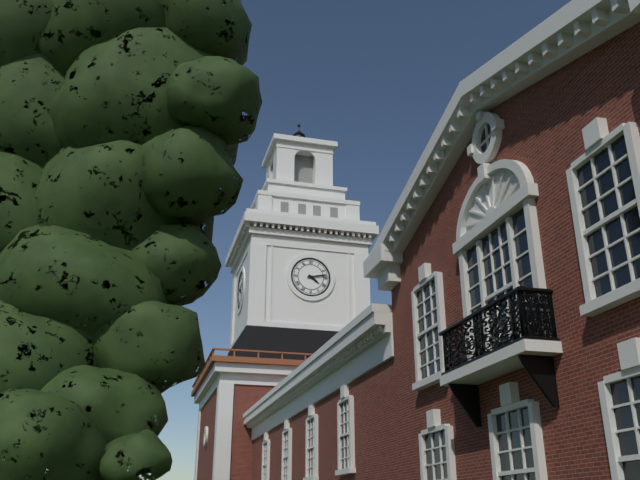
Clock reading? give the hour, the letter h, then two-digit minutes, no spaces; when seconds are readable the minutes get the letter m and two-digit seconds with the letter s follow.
4h13
